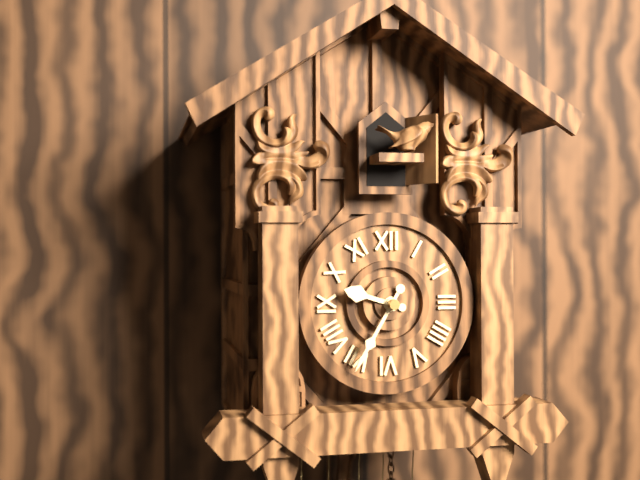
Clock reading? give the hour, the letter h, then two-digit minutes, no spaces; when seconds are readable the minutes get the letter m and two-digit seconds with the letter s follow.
9h35
